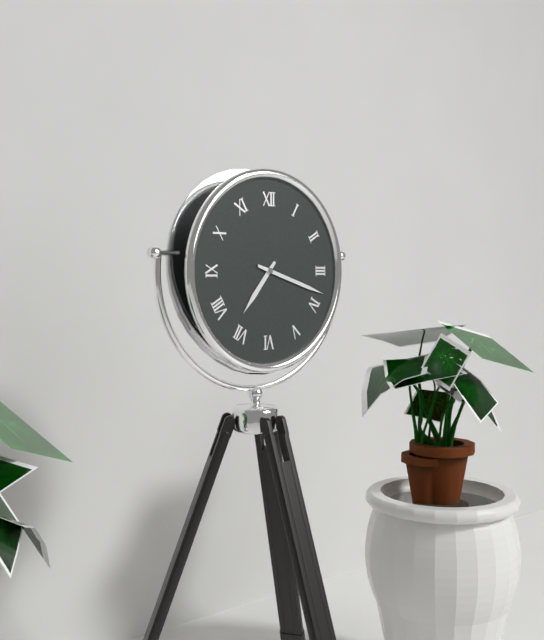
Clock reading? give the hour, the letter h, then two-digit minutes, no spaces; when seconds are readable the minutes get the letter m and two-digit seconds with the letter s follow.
7h18
